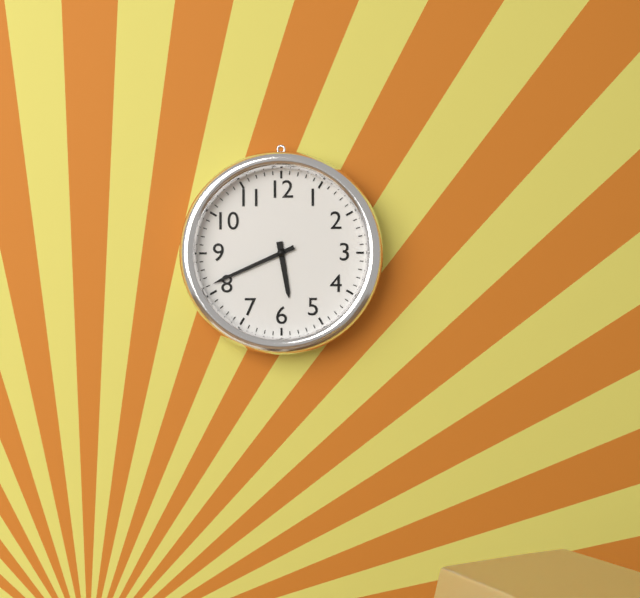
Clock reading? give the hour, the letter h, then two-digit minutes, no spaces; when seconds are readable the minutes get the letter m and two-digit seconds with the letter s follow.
5h41
